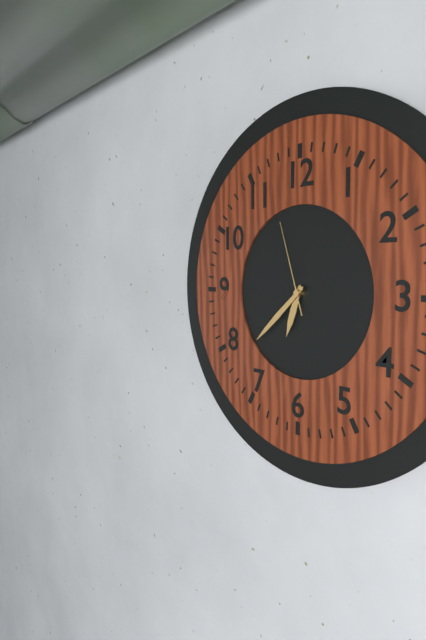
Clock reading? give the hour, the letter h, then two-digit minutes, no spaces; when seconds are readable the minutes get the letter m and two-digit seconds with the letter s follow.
6h38m57s
